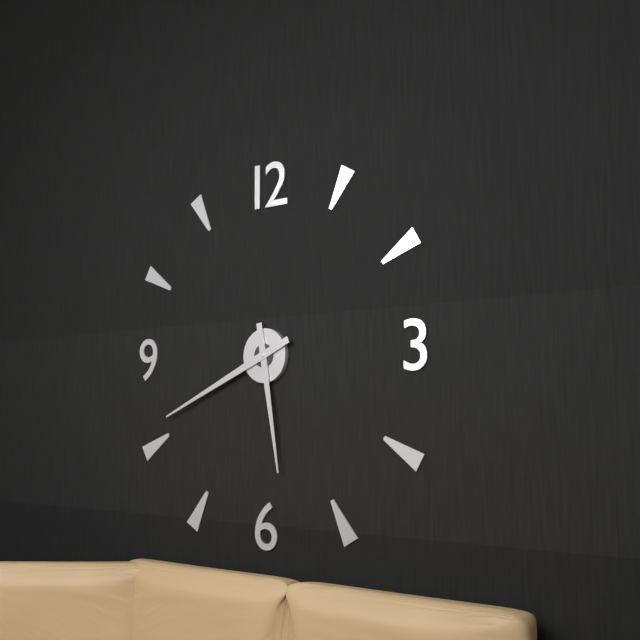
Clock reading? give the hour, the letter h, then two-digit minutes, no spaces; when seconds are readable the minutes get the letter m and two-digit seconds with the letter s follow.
5h41
